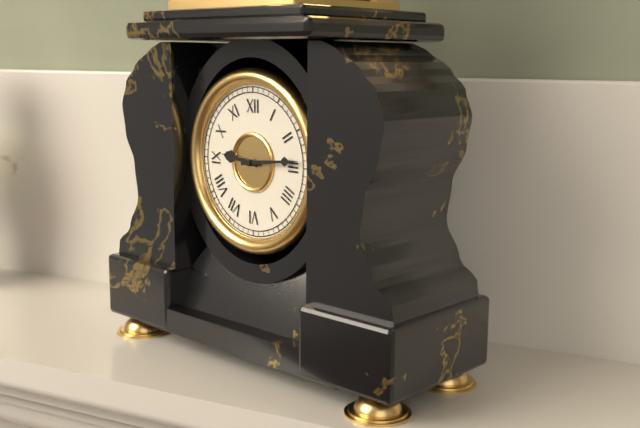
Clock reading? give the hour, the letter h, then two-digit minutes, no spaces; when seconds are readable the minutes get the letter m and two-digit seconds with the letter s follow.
9h14
